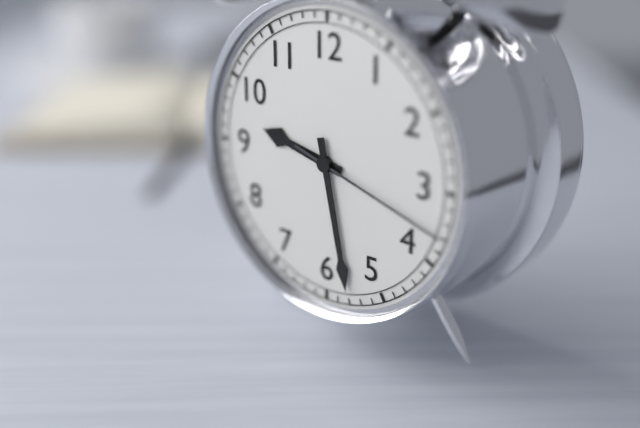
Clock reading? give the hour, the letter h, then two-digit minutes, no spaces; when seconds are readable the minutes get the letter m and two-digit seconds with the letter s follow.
9h28m18s
